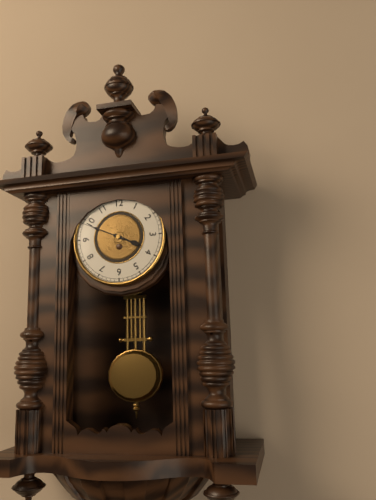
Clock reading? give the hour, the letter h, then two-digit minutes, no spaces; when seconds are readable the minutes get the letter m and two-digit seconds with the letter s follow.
3h49
